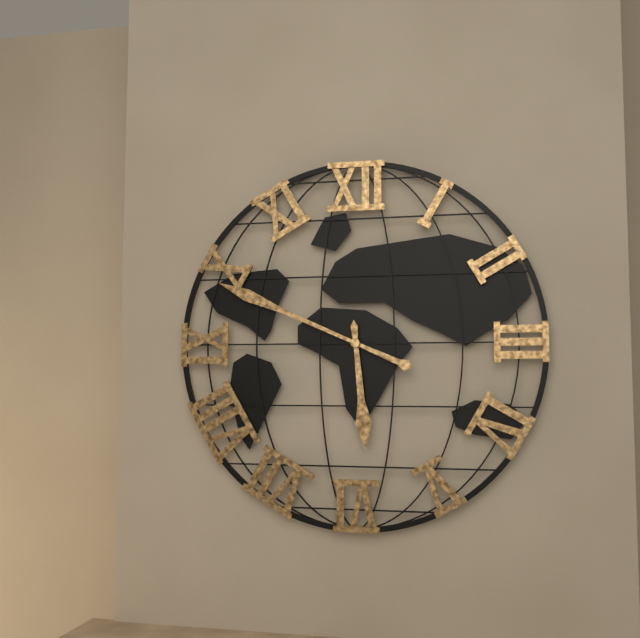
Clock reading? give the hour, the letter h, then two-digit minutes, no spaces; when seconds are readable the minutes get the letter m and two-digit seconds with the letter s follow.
5h49
